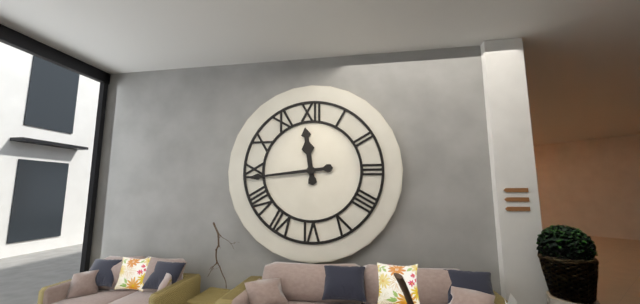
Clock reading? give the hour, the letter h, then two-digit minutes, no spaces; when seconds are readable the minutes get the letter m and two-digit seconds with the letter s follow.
11h44
